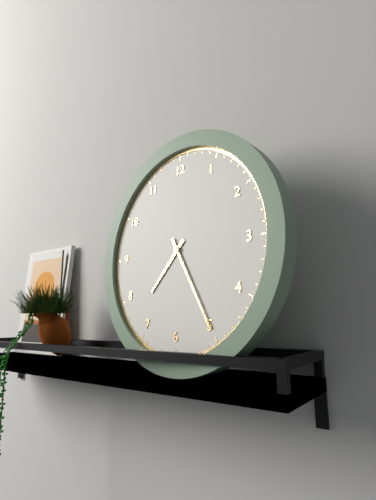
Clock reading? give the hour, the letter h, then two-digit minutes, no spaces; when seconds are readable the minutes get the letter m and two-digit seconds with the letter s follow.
7h25
